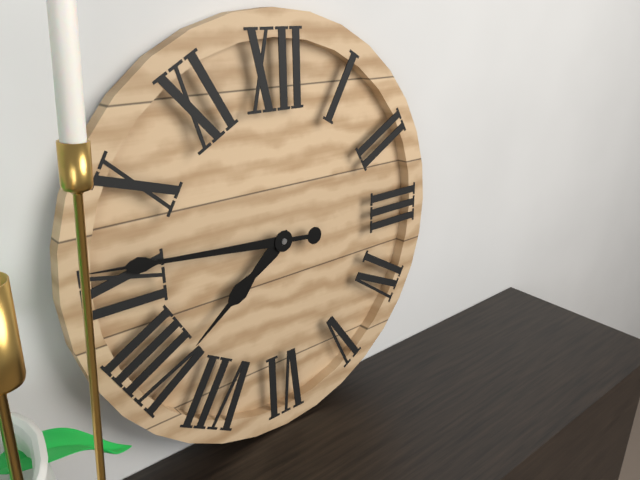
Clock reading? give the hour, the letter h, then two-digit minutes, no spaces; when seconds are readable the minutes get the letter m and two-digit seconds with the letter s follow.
7h46
